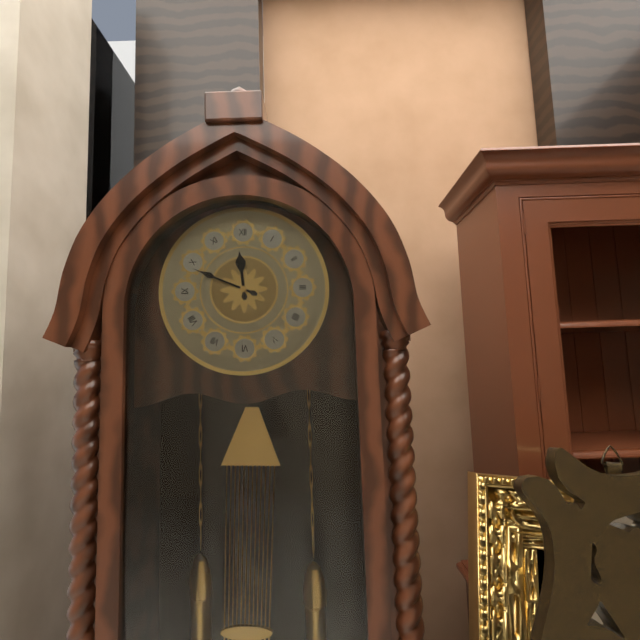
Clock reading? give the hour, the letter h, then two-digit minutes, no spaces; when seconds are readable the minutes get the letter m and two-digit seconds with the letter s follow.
11h49
